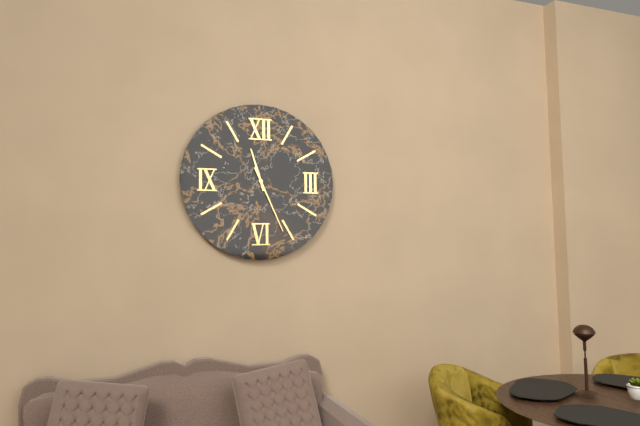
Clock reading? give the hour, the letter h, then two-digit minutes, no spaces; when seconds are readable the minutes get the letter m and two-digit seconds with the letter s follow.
11h26
